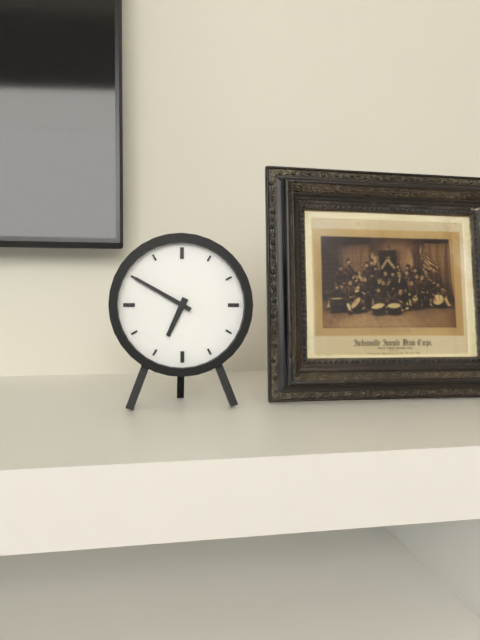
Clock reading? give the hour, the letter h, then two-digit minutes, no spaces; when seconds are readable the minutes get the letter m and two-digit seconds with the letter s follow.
6h50
